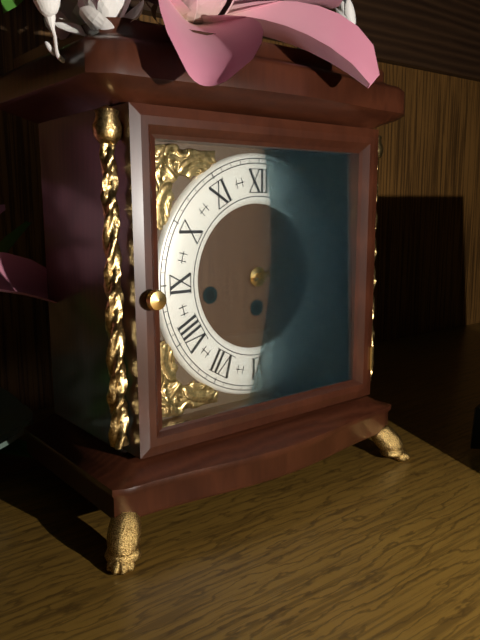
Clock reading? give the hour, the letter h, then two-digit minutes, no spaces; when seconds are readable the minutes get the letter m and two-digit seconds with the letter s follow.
2h14
